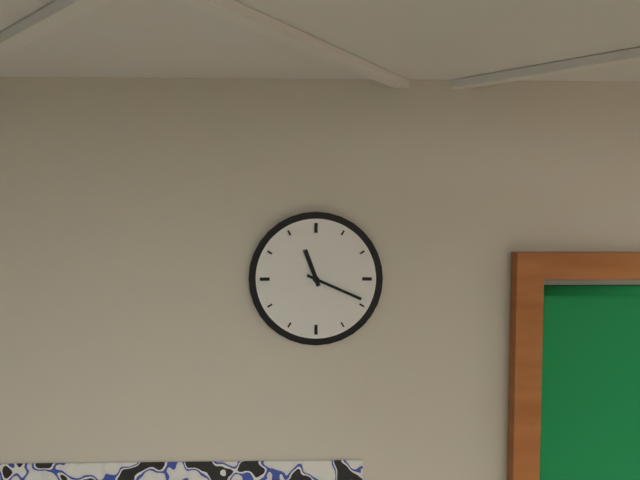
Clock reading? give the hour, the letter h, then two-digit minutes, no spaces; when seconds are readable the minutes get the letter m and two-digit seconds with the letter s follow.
11h19
